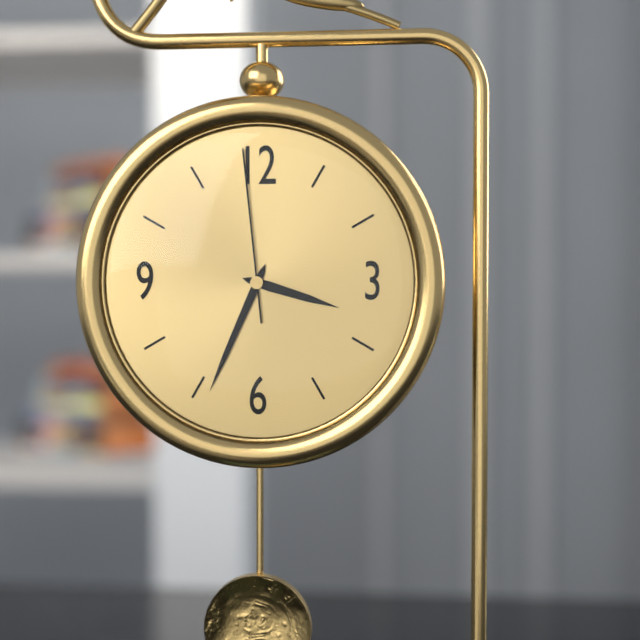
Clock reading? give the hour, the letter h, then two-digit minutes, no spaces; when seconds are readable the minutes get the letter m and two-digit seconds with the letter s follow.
3h34m59s
